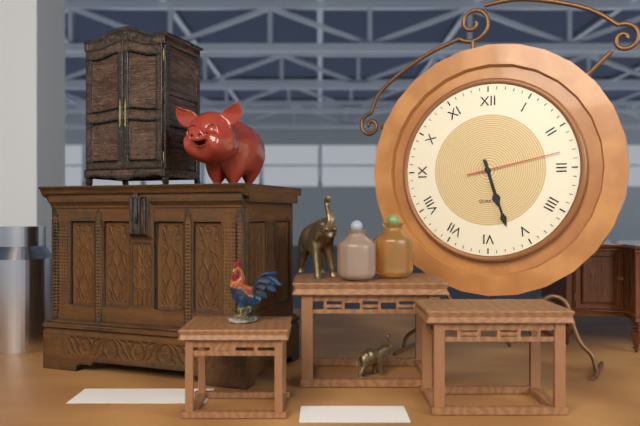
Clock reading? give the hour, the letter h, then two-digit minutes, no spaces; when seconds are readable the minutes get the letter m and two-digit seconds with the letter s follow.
5h27m13s
